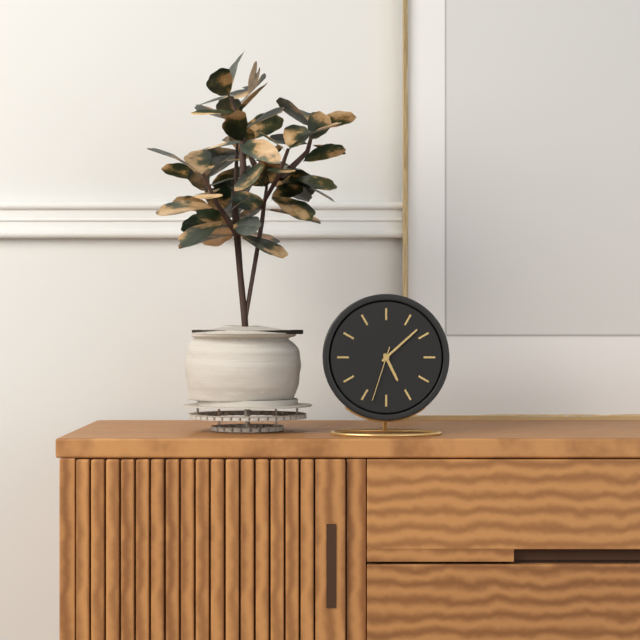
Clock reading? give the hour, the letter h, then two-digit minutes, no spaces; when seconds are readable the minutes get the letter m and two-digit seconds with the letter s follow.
5h08m33s
